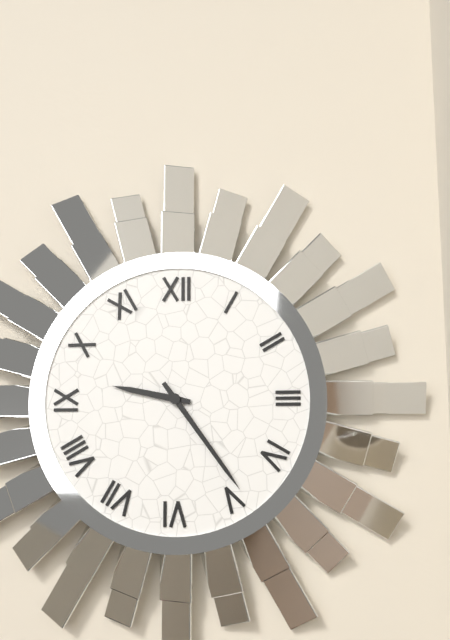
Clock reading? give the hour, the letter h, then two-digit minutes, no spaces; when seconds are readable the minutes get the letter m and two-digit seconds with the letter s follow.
9h24
